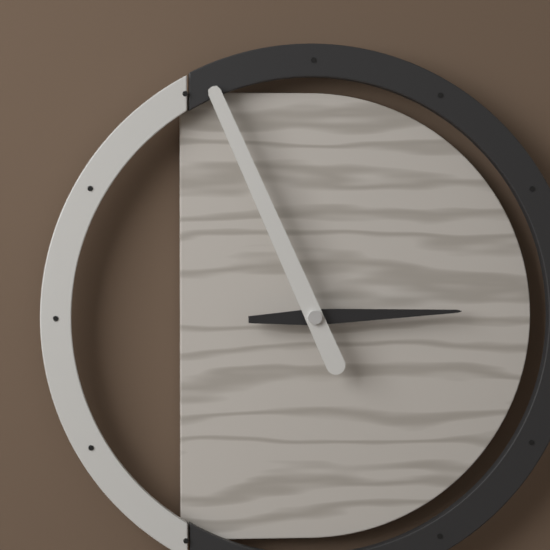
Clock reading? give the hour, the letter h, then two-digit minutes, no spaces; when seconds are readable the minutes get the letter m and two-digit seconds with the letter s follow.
2h56
